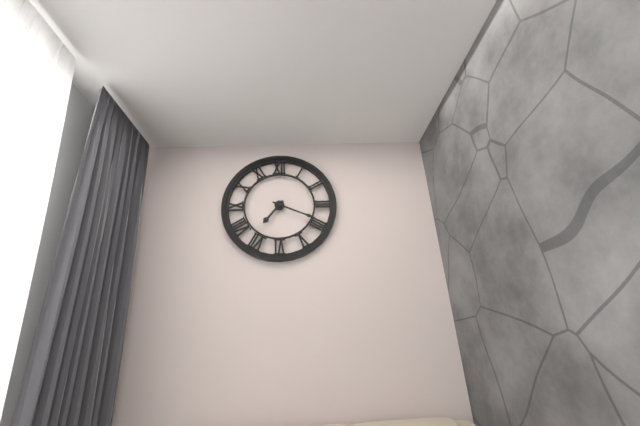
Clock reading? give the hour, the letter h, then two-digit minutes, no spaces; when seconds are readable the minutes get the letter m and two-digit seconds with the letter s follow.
7h19
